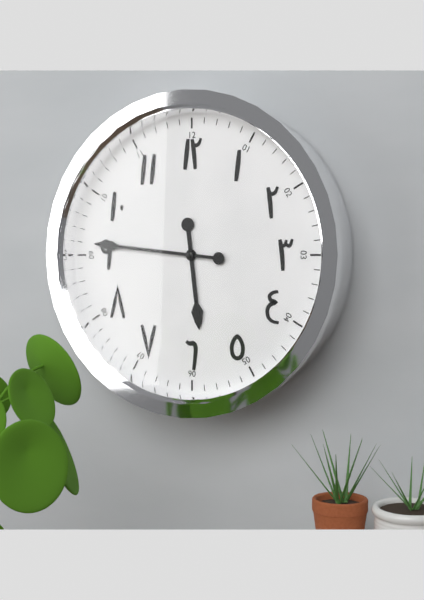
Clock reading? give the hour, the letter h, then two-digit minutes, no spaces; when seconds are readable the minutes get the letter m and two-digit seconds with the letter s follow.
5h46
